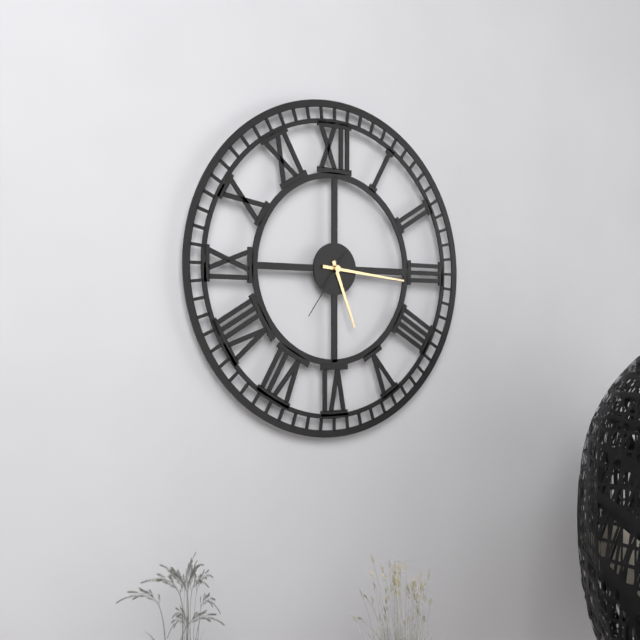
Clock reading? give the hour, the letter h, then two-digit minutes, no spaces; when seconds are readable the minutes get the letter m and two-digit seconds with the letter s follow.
5h16m36s
